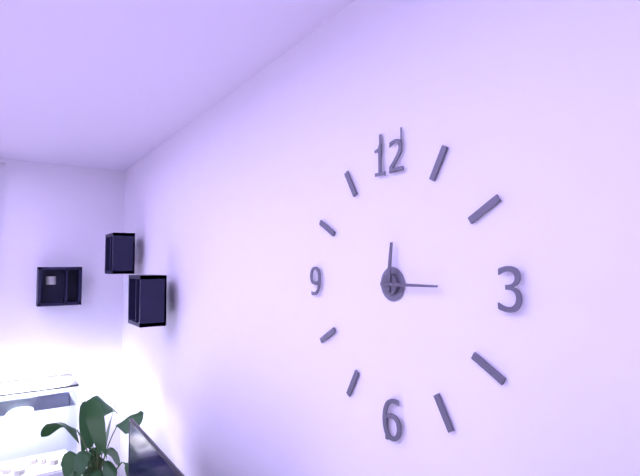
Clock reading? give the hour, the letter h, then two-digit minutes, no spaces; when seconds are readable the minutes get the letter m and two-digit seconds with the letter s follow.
12h15
